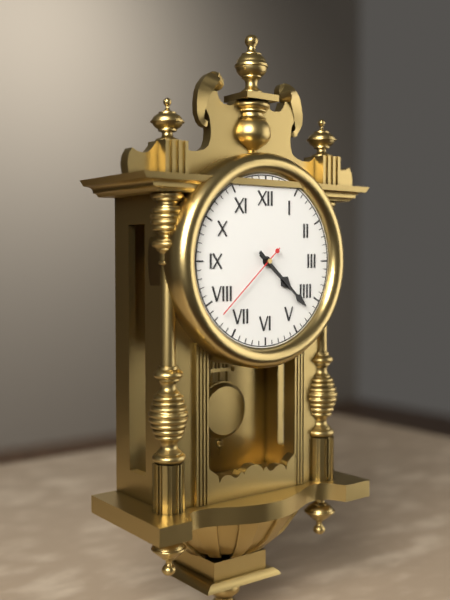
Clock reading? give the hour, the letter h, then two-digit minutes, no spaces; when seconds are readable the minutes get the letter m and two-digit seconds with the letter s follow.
4h22m38s
